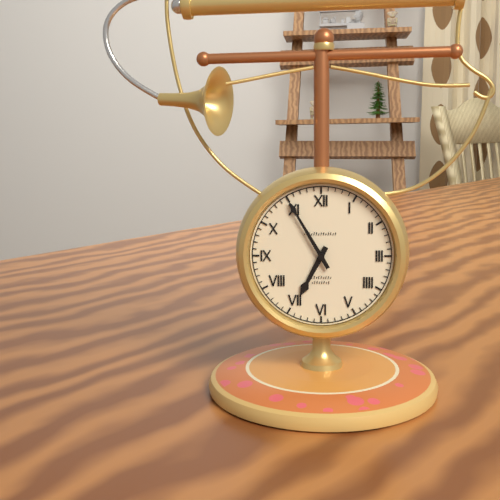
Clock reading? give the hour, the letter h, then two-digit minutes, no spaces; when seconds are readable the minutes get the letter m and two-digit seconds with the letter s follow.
6h55
